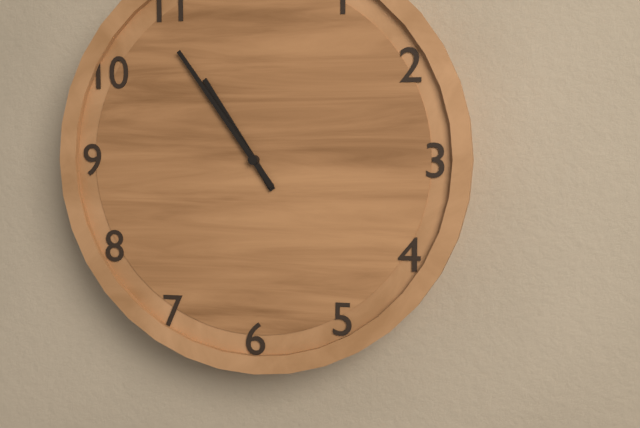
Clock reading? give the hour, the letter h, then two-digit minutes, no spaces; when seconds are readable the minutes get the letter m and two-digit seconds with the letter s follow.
10h54
